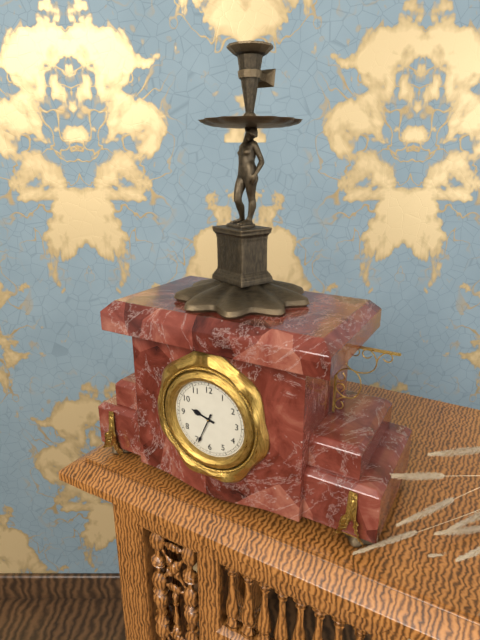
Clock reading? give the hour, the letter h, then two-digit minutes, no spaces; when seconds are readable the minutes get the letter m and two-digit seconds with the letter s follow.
9h34
